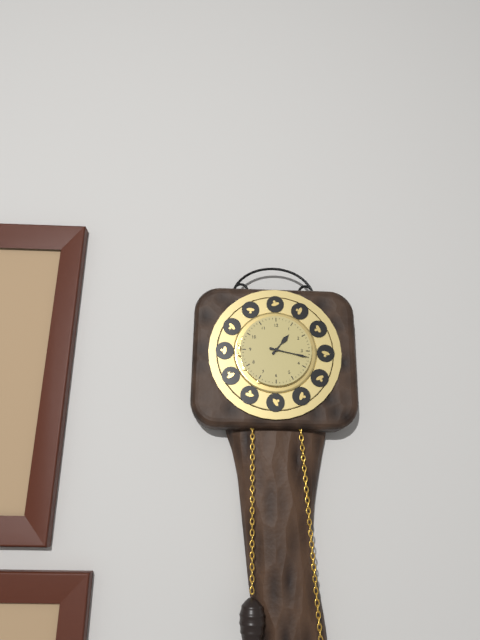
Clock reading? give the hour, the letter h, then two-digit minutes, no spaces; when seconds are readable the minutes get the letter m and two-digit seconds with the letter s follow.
1h17
